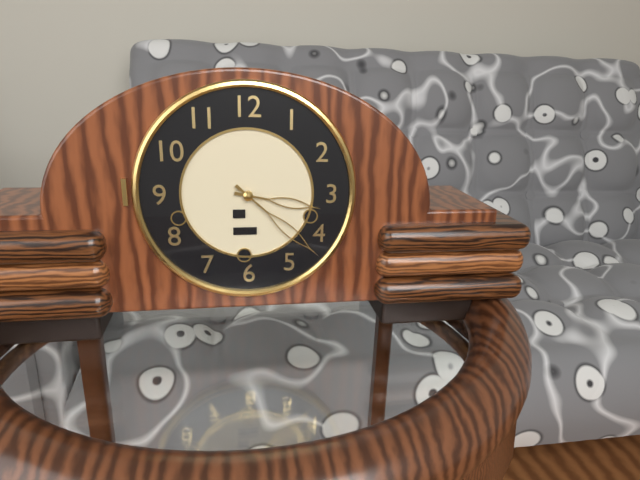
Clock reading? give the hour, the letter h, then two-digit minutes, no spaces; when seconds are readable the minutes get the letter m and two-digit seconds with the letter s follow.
3h22
